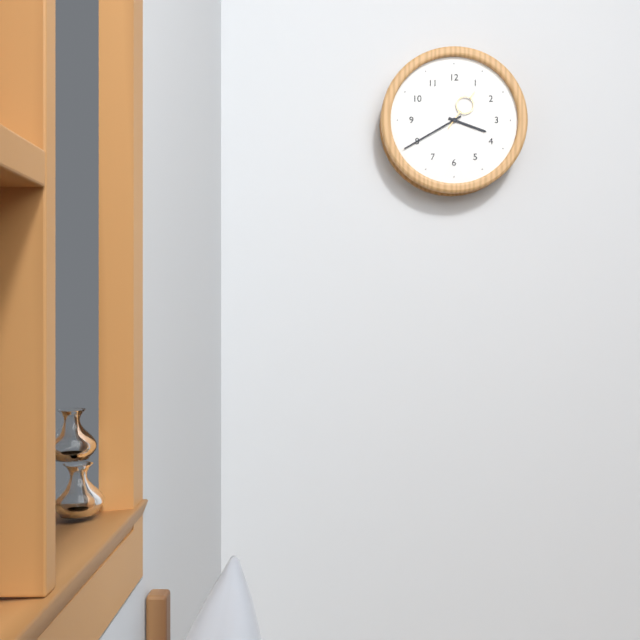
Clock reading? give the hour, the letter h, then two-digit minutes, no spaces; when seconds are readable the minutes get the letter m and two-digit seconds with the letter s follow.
3h40
